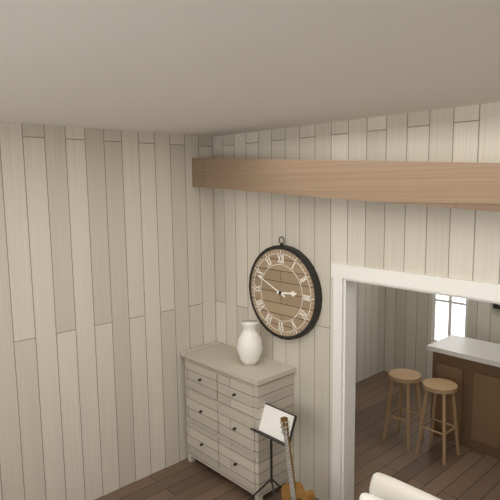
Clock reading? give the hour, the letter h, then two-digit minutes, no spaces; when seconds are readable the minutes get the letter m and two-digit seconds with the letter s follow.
2h49
